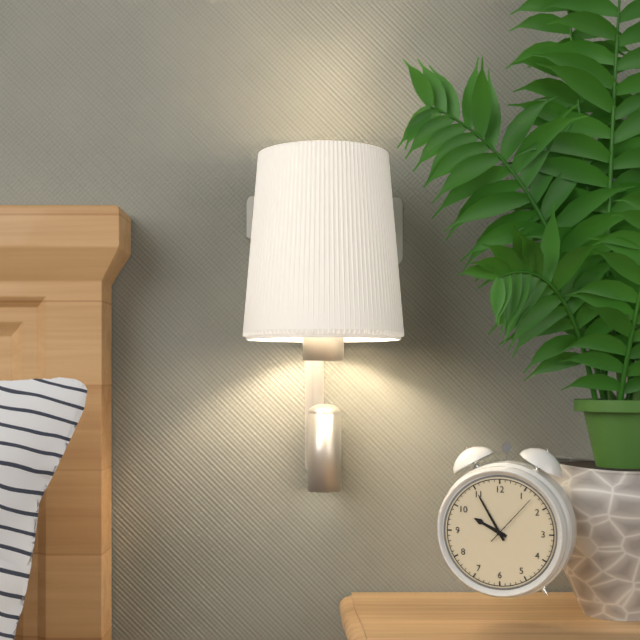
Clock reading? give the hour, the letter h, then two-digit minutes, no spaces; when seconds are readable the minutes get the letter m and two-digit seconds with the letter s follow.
9h55m07s
